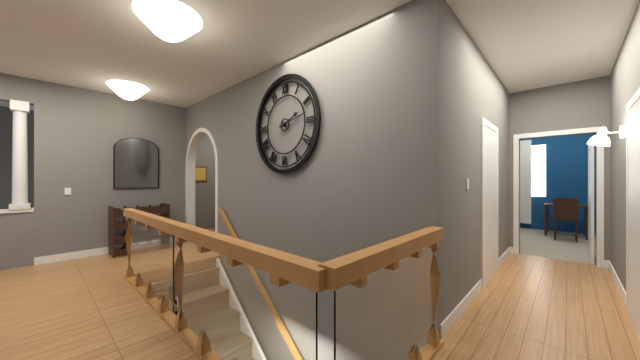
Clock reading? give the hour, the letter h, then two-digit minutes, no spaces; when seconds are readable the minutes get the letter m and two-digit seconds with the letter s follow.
2h13
